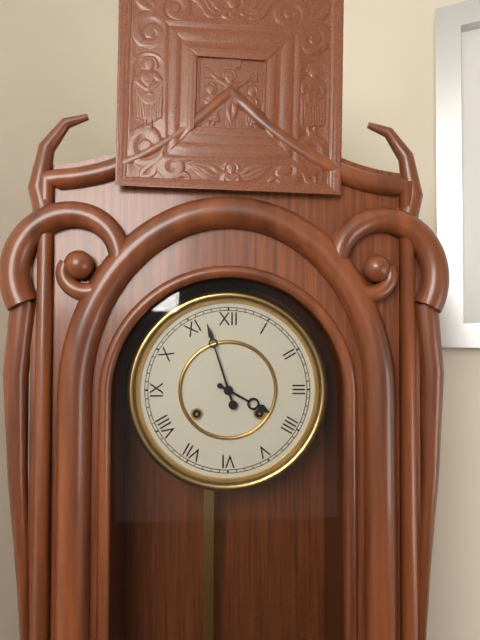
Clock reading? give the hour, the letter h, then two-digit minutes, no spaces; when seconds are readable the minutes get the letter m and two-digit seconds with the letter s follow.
3h57
